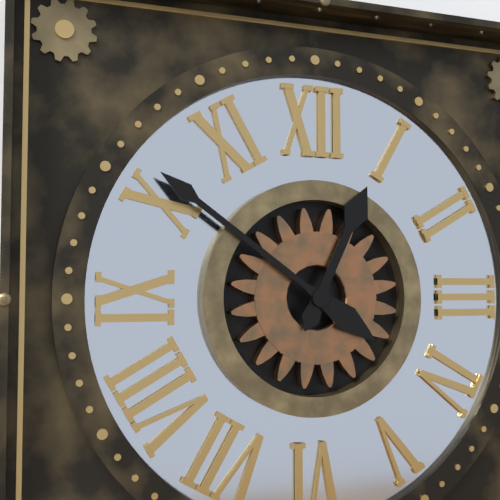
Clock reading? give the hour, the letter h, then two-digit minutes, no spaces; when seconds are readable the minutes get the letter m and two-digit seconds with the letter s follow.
12h51
